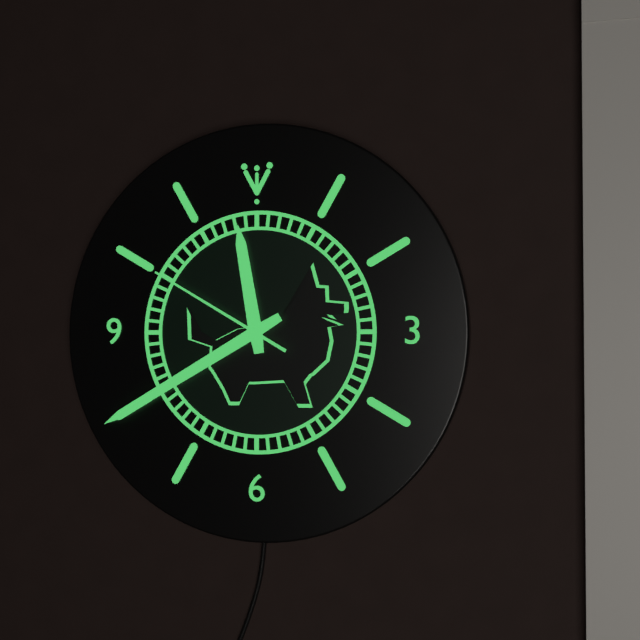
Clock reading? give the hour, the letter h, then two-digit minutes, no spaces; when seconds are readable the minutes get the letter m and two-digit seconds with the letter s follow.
11h40m50s
